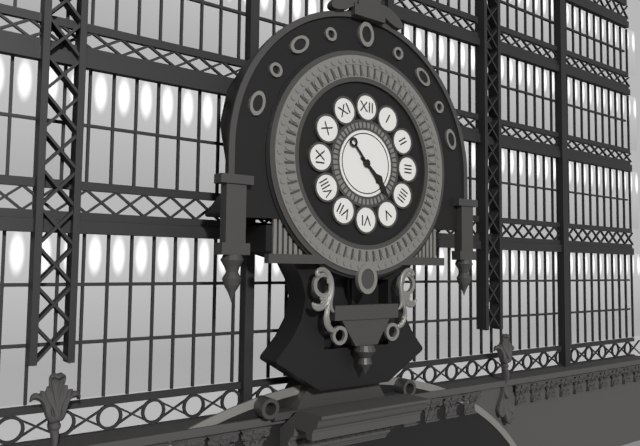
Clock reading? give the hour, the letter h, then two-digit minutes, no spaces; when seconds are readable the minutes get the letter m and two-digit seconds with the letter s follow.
4h23
